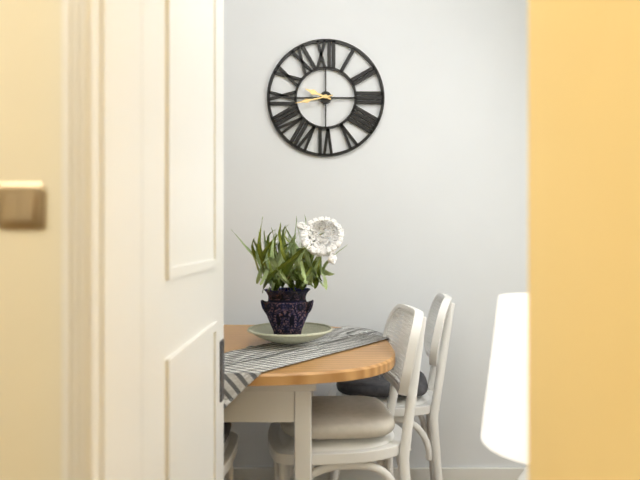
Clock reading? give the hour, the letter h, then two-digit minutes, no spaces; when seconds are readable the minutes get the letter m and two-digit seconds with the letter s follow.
9h43
